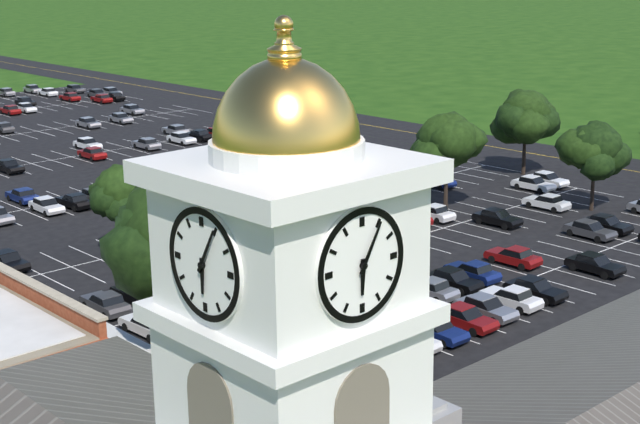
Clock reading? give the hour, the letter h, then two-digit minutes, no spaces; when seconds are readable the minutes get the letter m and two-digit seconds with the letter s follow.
6h05
